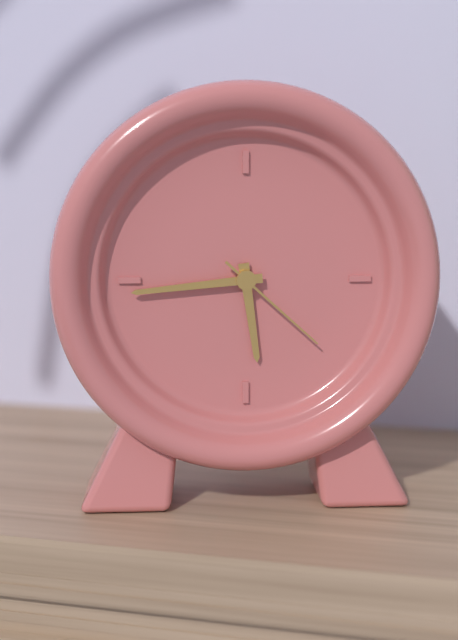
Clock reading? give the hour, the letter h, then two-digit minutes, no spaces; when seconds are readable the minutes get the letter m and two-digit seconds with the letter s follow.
5h44m22s
